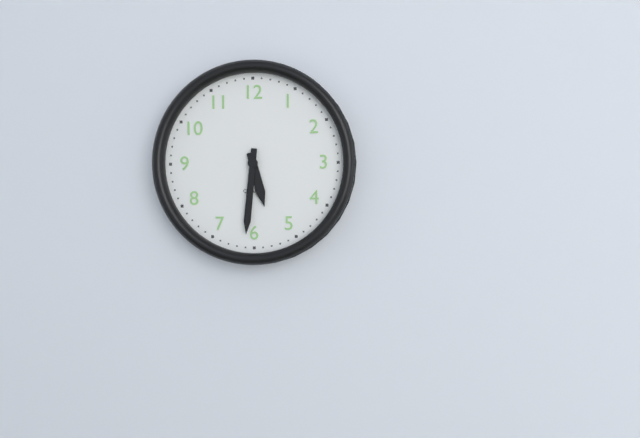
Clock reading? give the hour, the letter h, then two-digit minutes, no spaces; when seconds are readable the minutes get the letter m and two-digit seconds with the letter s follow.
5h31
